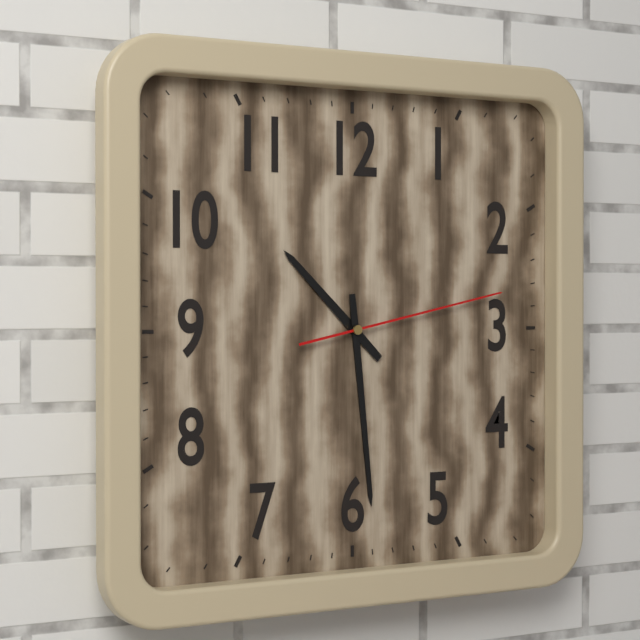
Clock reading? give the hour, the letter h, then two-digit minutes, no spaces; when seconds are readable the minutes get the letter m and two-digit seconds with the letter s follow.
10h29m13s
